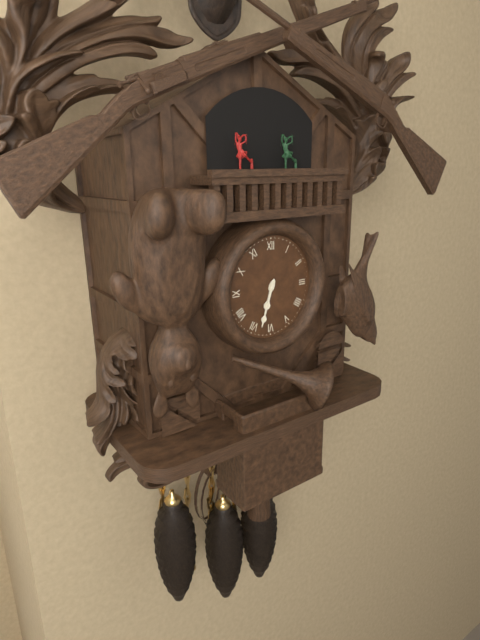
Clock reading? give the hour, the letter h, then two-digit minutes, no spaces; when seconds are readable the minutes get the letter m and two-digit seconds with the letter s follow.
6h33
